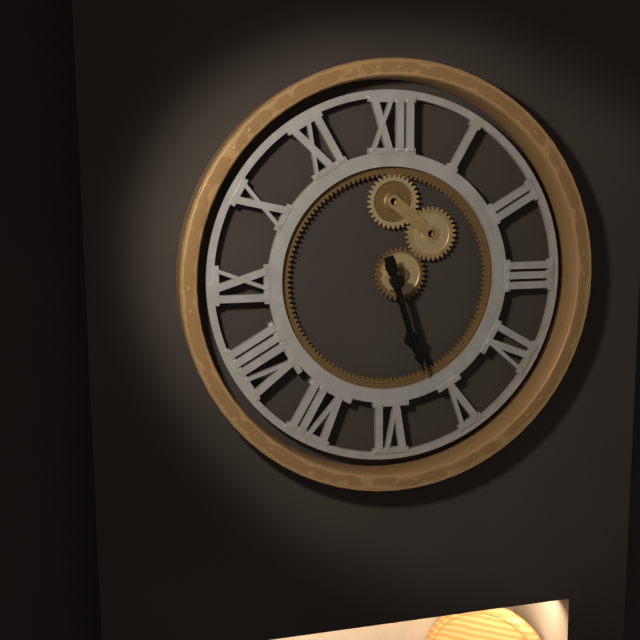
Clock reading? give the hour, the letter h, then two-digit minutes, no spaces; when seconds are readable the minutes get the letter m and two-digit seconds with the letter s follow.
5h27
